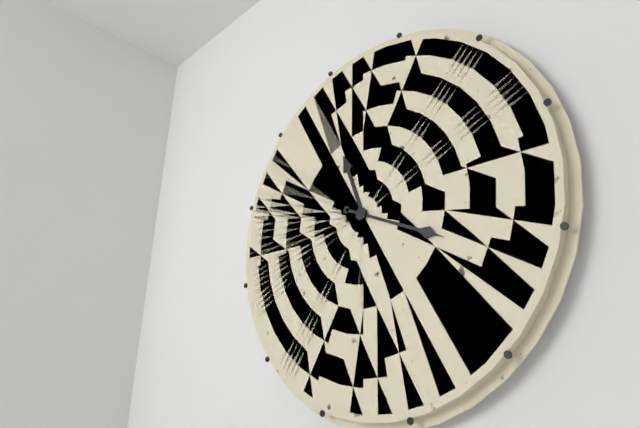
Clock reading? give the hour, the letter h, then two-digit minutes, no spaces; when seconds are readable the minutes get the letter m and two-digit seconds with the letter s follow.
11h19
